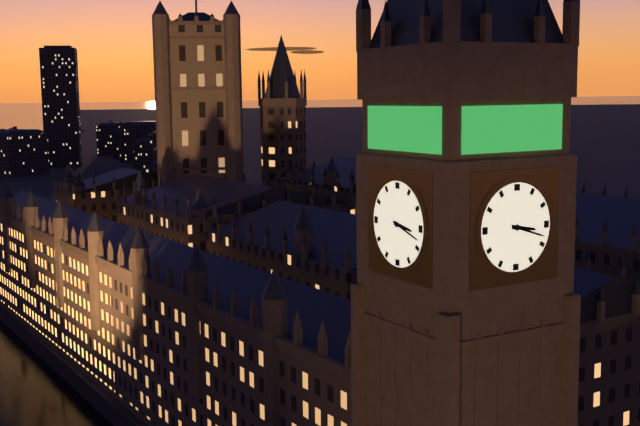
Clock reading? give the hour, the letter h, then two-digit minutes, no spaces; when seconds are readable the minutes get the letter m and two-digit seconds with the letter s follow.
3h18
